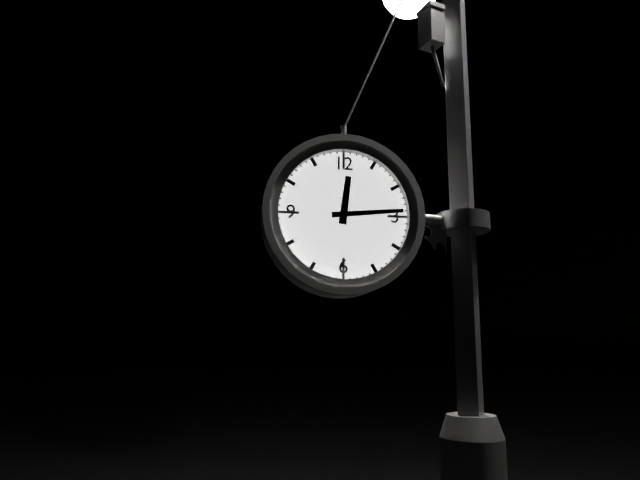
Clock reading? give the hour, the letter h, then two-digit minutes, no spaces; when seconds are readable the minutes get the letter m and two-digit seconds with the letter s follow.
12h14
